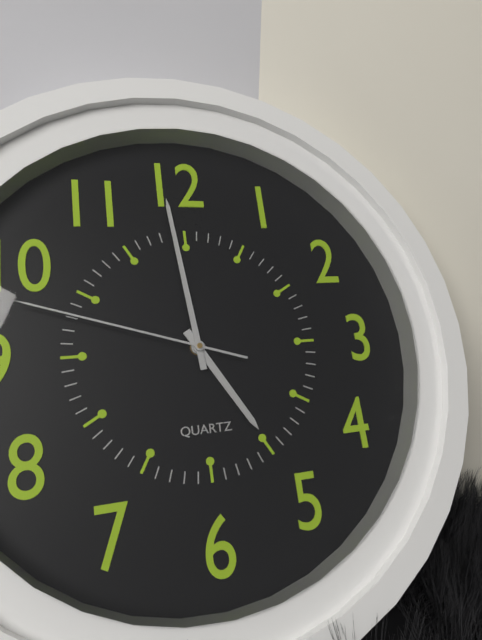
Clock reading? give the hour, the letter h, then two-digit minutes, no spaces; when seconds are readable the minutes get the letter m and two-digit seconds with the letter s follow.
4h59m48s
